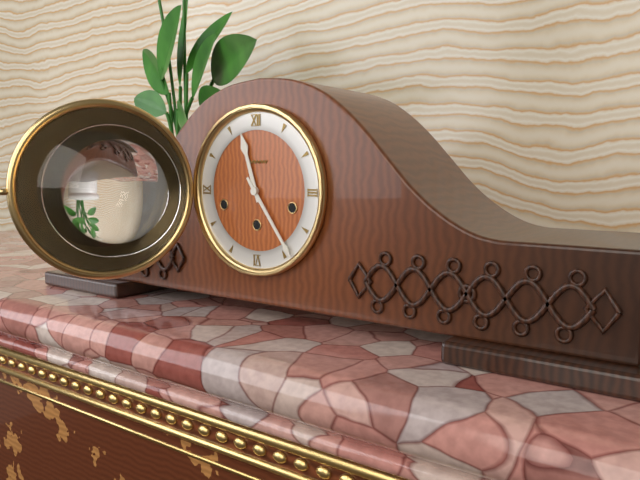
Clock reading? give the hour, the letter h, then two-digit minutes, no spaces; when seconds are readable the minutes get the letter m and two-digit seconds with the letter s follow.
11h24
